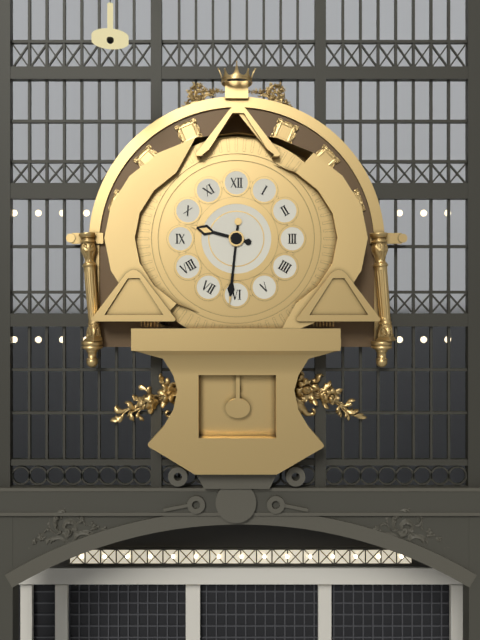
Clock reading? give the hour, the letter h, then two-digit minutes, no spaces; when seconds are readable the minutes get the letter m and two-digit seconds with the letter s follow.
9h31
